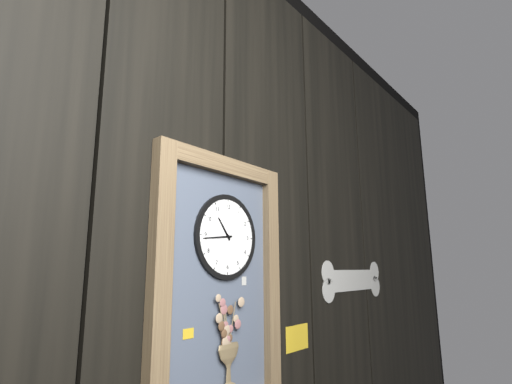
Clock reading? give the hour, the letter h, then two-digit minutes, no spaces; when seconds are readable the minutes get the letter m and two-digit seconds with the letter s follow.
10h44
